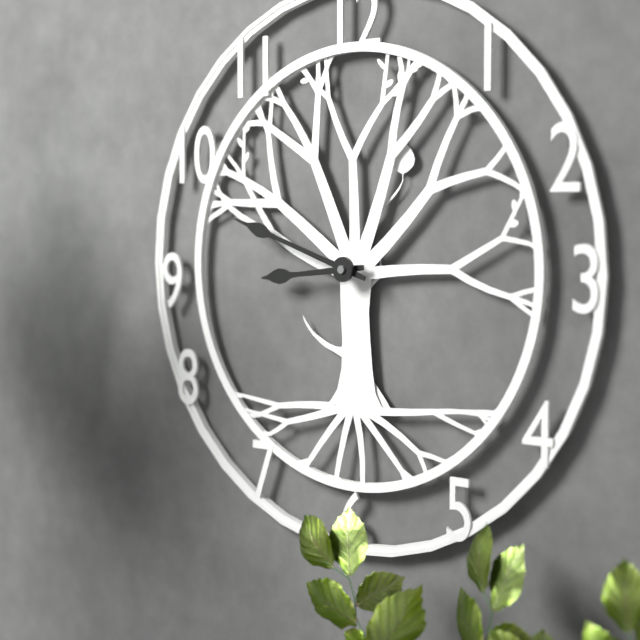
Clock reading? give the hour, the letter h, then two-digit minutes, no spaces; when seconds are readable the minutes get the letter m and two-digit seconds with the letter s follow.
8h48
